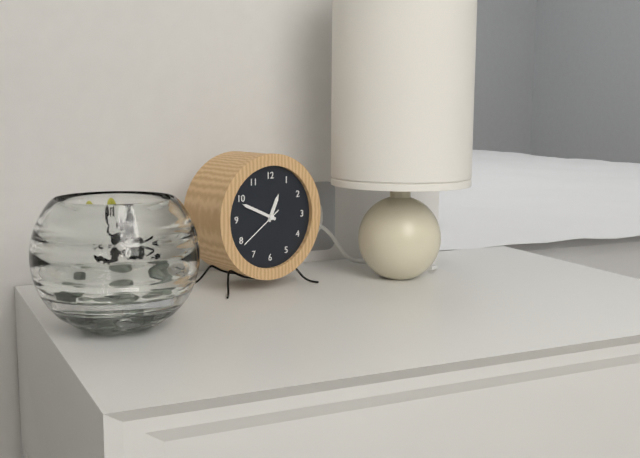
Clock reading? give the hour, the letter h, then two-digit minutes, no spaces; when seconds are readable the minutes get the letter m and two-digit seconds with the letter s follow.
12h49
